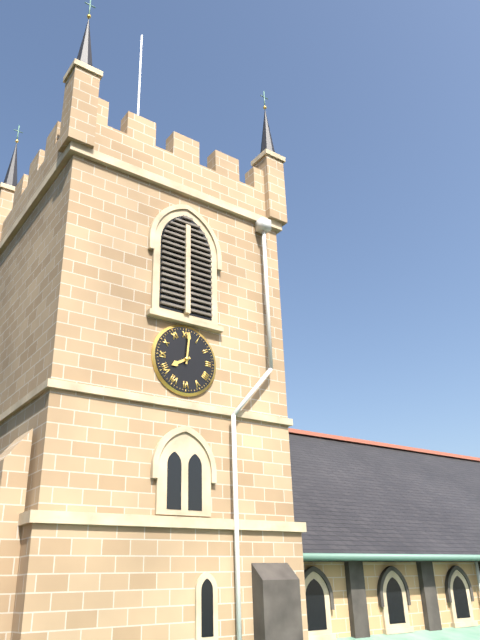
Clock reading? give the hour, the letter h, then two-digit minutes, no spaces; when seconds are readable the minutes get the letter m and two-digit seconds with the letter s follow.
8h01
